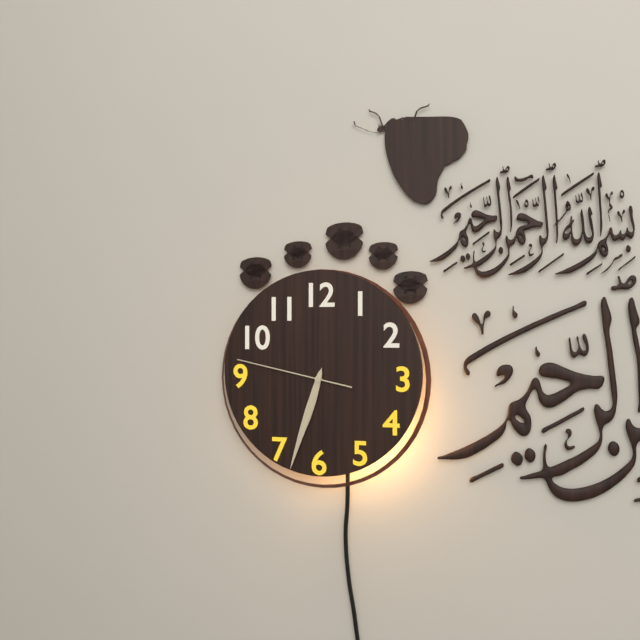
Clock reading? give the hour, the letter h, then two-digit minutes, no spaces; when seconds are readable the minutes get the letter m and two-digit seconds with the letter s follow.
6h33m47s
